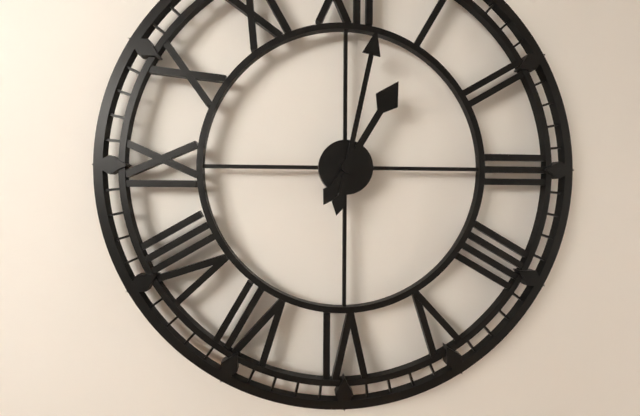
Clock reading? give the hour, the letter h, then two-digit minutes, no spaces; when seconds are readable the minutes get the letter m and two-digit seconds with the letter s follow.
1h02
